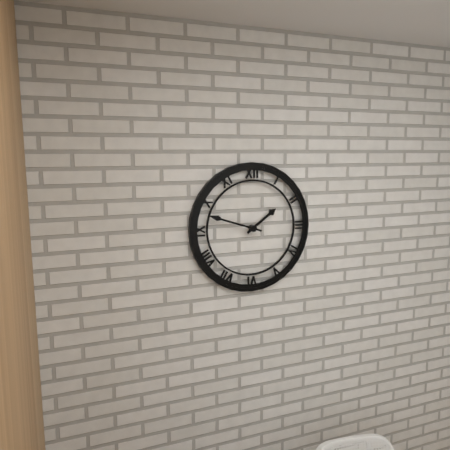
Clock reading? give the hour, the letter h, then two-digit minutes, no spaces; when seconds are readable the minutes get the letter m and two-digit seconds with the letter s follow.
1h48
